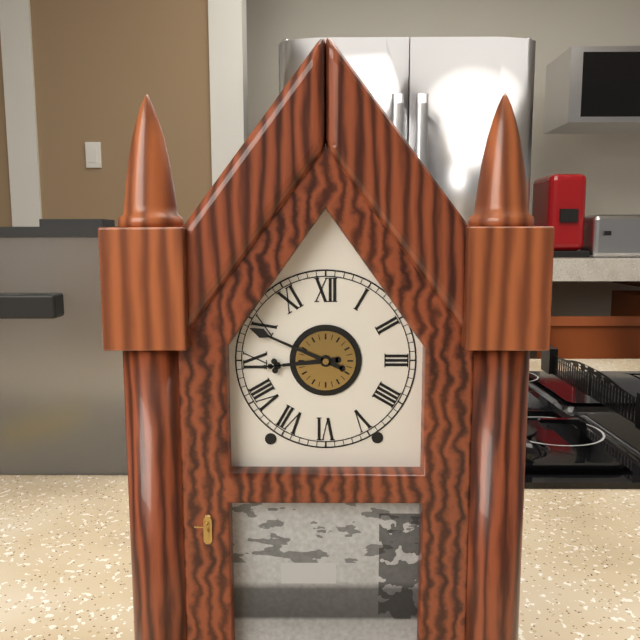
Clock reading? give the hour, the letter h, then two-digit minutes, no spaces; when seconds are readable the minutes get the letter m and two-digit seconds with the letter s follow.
8h49
